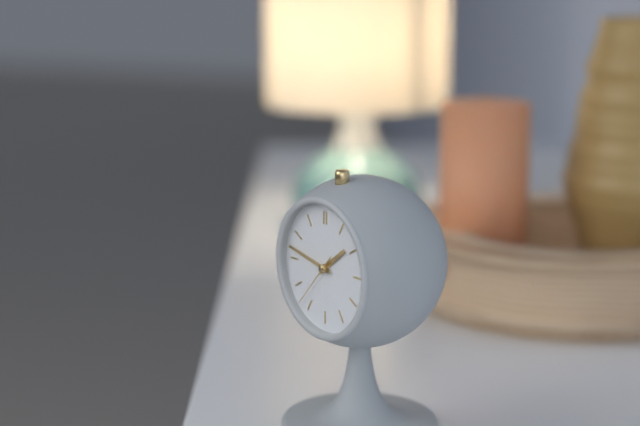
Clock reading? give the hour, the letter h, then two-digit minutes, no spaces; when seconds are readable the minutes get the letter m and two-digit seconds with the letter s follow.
1h47m37s
